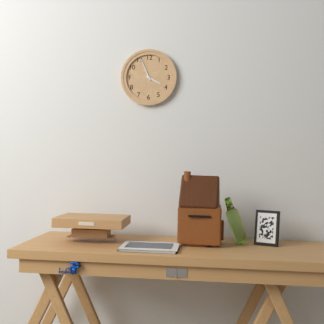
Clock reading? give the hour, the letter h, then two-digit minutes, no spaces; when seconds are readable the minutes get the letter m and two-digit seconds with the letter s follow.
3h56
